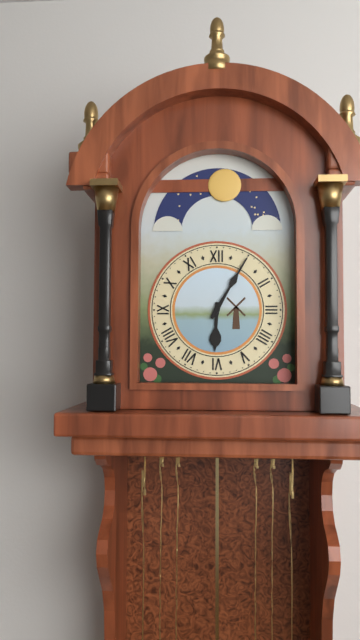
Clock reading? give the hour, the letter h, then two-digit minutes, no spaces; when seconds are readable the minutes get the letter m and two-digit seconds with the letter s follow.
6h05
